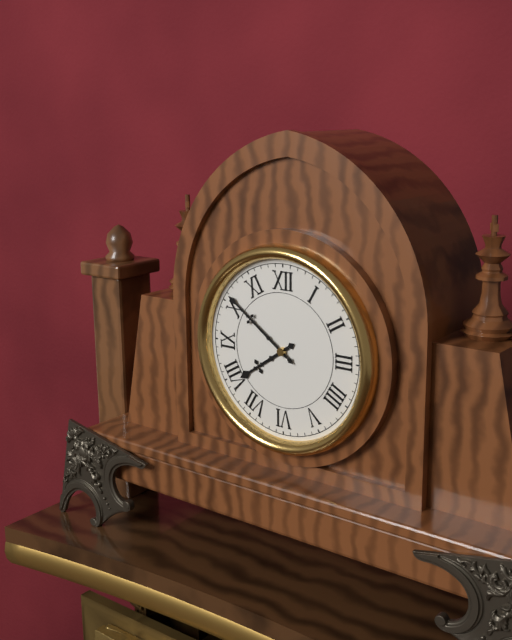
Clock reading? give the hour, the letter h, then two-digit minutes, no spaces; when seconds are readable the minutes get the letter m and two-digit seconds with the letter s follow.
7h51
